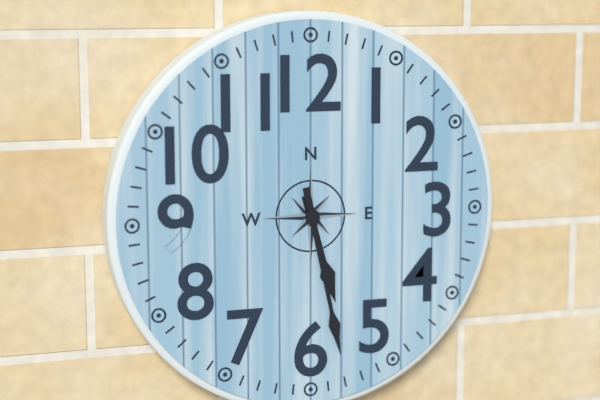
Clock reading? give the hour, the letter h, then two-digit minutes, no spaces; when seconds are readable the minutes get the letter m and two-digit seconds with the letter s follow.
5h28
